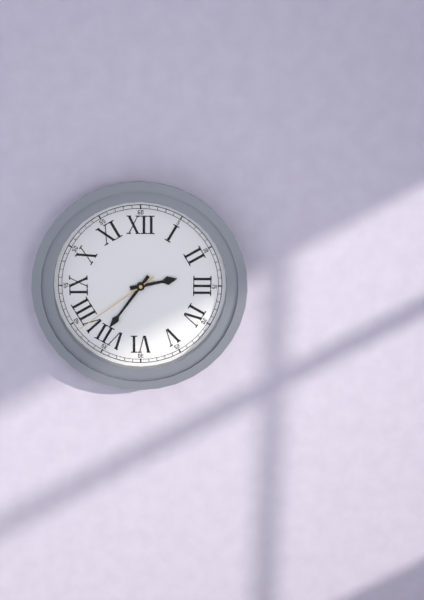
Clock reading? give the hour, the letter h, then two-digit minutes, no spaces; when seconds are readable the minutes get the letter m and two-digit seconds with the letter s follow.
2h36m39s
